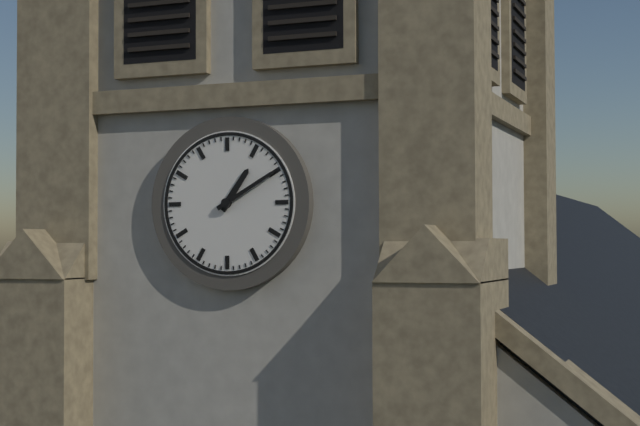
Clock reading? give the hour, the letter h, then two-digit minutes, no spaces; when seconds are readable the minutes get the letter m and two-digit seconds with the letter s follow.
1h10
